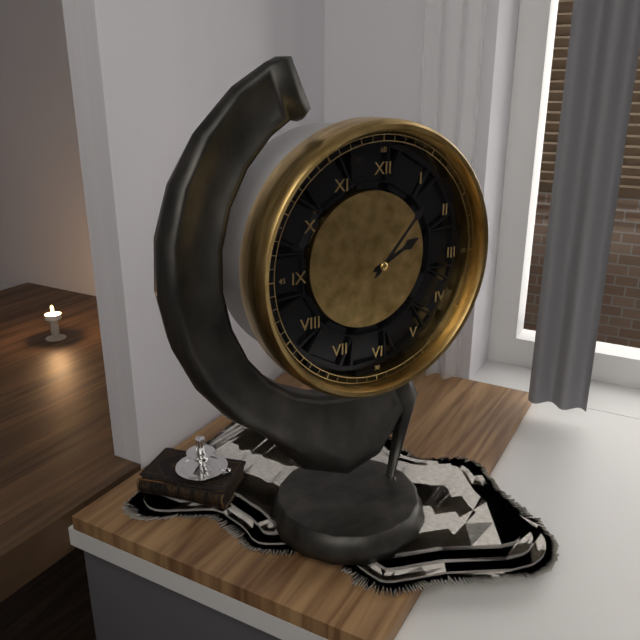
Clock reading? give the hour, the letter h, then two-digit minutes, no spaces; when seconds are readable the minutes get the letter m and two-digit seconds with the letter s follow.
2h07
